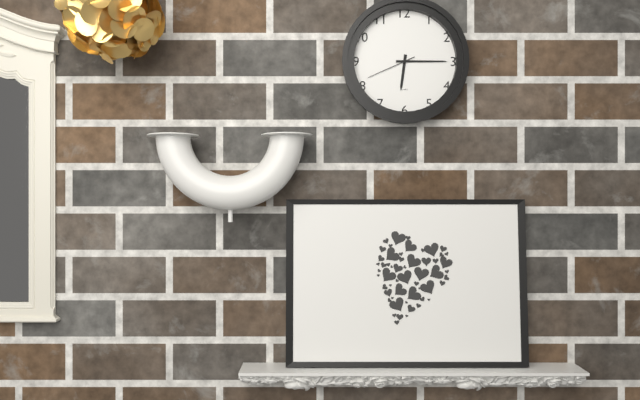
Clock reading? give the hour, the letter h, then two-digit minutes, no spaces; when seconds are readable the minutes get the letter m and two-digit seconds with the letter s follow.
6h15
